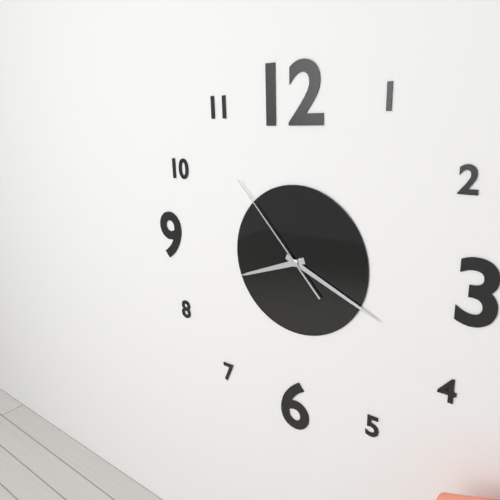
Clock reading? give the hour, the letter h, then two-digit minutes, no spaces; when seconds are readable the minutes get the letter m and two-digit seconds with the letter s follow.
8h19m53s
